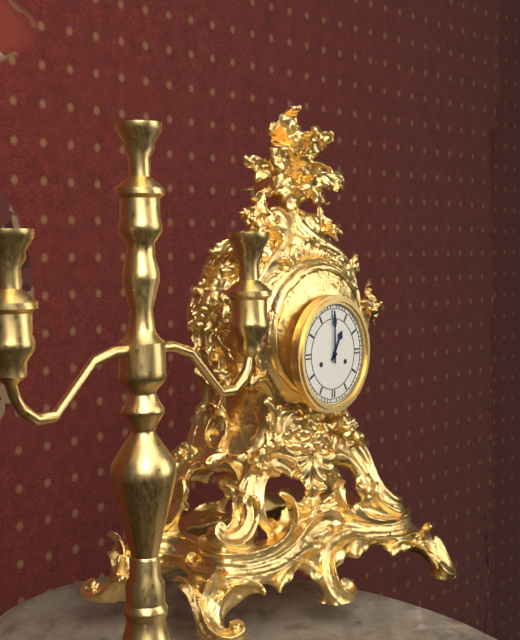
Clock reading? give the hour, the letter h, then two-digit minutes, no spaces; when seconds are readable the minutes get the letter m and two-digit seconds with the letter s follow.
1h00
